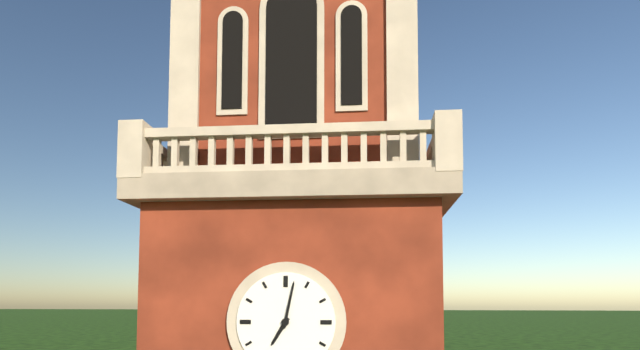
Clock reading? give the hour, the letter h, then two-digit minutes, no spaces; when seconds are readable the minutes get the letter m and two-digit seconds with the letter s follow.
7h02
